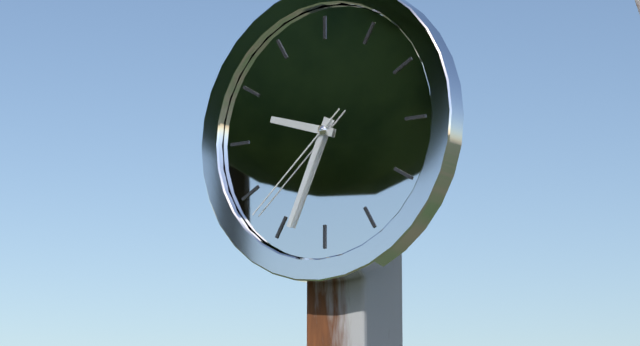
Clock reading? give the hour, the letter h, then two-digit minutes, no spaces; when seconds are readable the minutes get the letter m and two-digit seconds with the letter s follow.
9h34m38s
